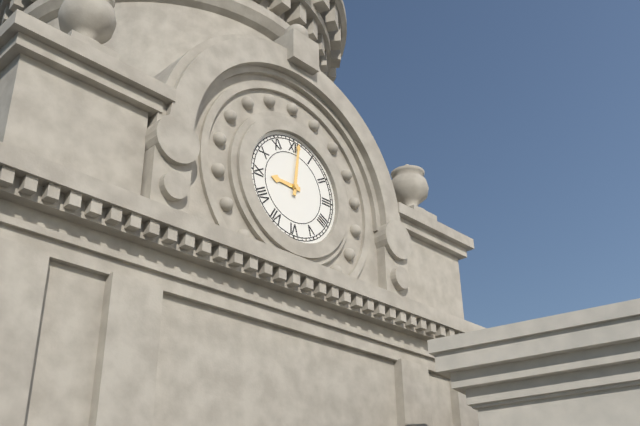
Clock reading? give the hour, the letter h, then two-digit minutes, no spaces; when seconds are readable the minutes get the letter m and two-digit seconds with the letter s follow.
9h01
